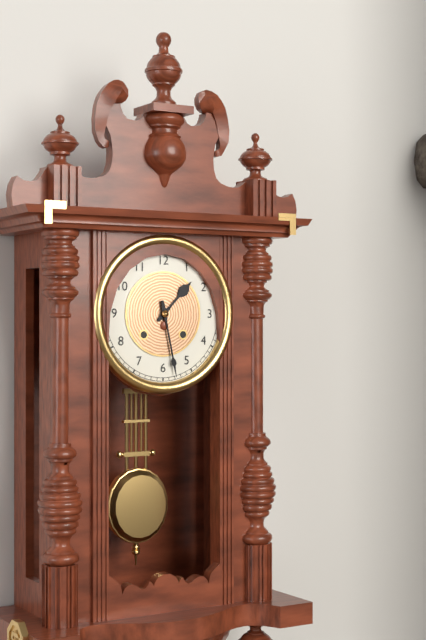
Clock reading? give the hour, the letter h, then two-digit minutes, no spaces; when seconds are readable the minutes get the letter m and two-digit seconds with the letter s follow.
1h28
